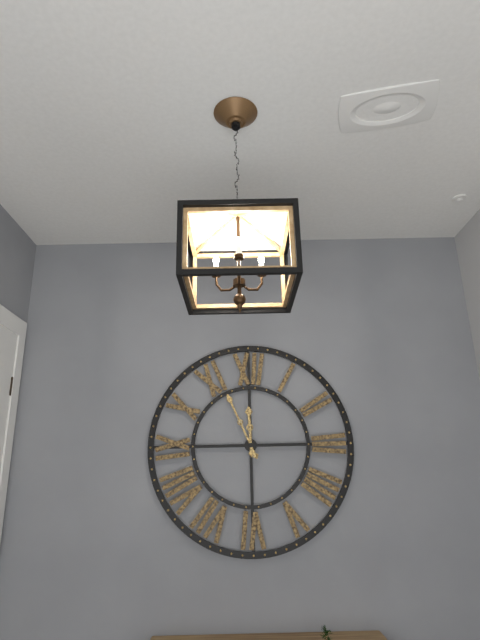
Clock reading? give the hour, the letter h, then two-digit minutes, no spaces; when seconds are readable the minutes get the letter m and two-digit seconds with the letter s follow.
11h56
